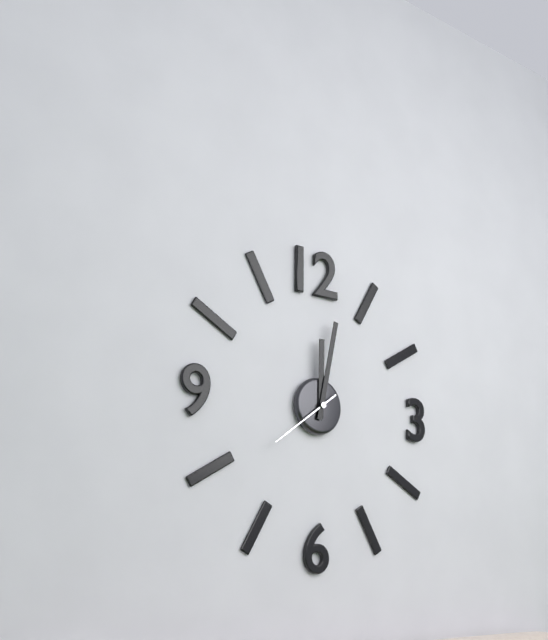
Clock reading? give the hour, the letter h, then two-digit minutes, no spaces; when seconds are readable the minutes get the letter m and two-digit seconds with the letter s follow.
12h02m39s
